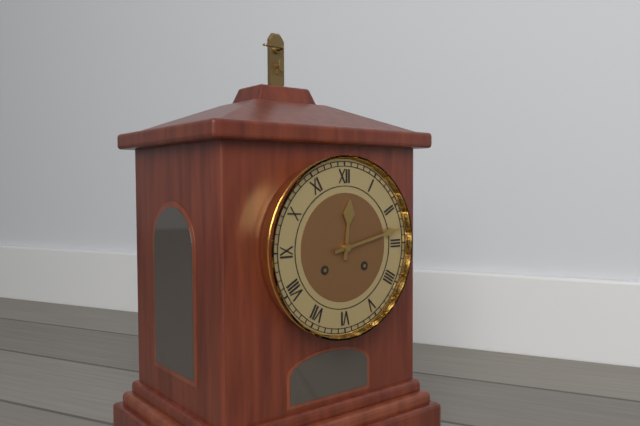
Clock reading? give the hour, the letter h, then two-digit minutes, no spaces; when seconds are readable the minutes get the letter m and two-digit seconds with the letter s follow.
12h13
